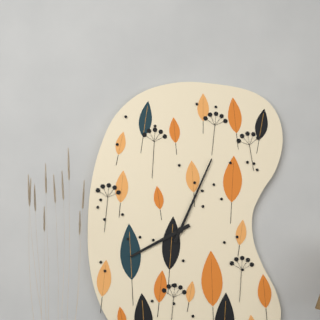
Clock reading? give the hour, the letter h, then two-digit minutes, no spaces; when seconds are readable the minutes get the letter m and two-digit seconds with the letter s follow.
8h04
